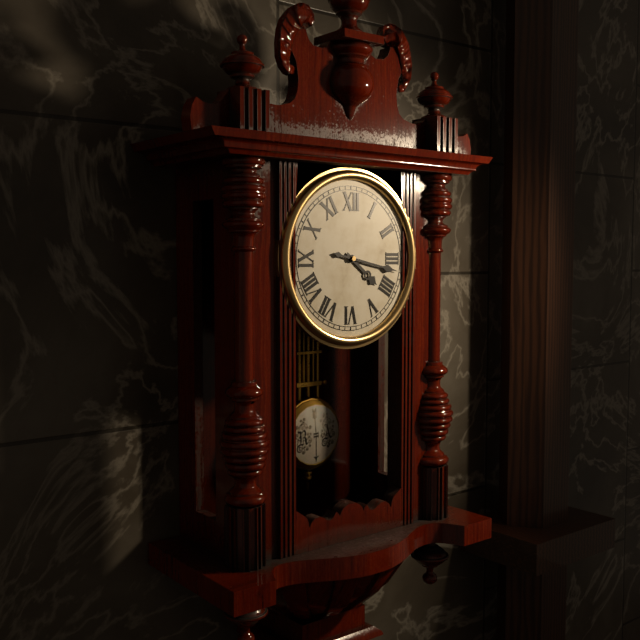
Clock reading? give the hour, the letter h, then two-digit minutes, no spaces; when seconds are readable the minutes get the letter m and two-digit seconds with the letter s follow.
4h17
